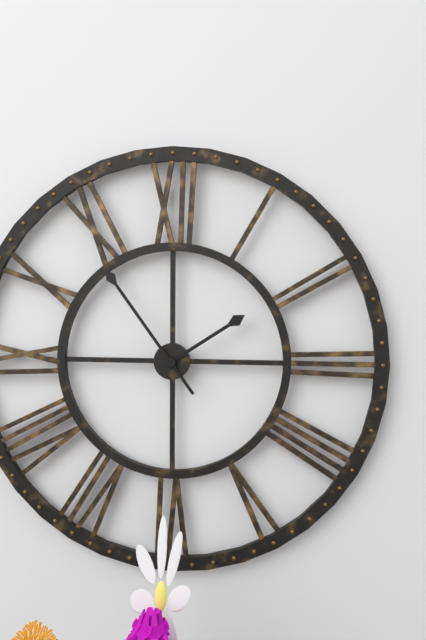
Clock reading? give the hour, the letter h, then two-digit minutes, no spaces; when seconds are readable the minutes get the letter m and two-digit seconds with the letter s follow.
1h54
